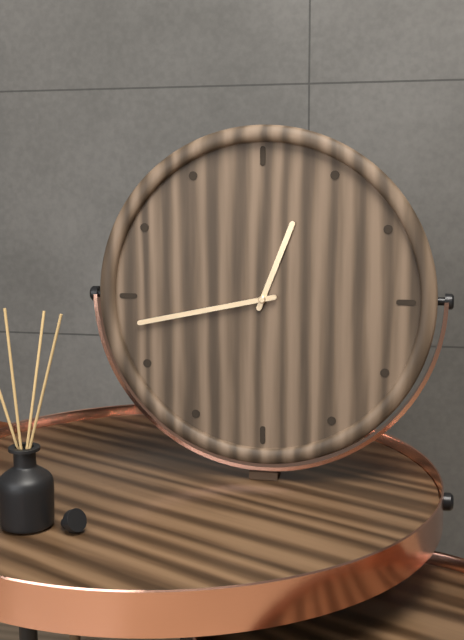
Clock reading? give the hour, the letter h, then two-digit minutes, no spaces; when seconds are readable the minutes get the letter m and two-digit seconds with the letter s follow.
12h43
